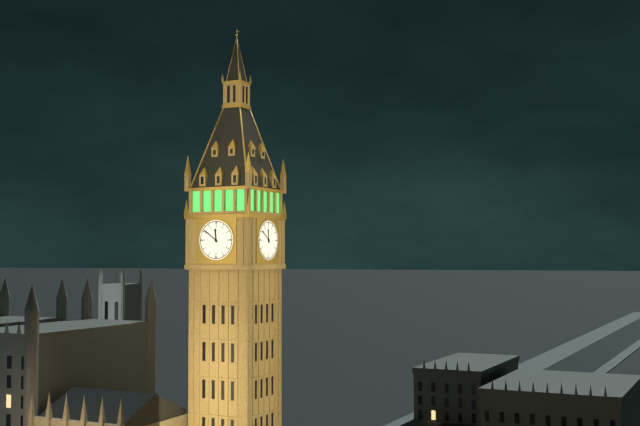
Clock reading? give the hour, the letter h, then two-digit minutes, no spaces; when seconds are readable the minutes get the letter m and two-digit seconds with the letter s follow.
11h51
